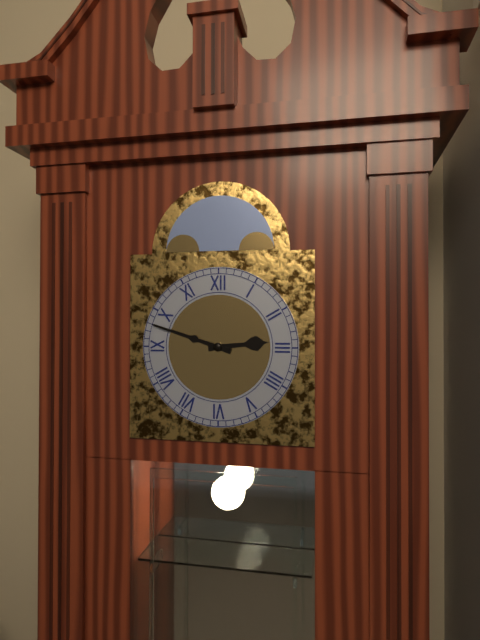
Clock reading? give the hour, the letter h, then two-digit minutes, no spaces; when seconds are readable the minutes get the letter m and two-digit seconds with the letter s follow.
2h48
